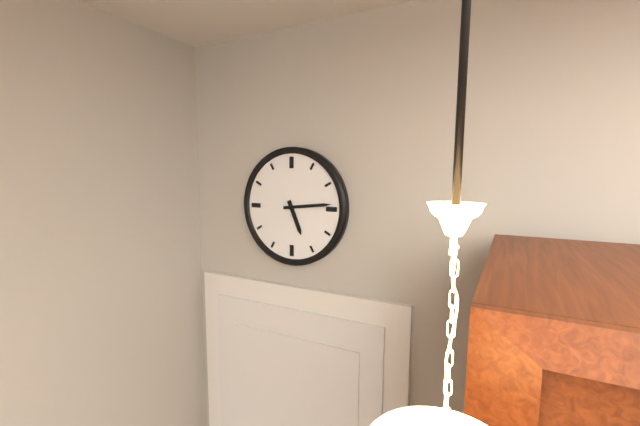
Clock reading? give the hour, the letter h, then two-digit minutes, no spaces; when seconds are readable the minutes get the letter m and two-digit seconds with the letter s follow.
5h14
